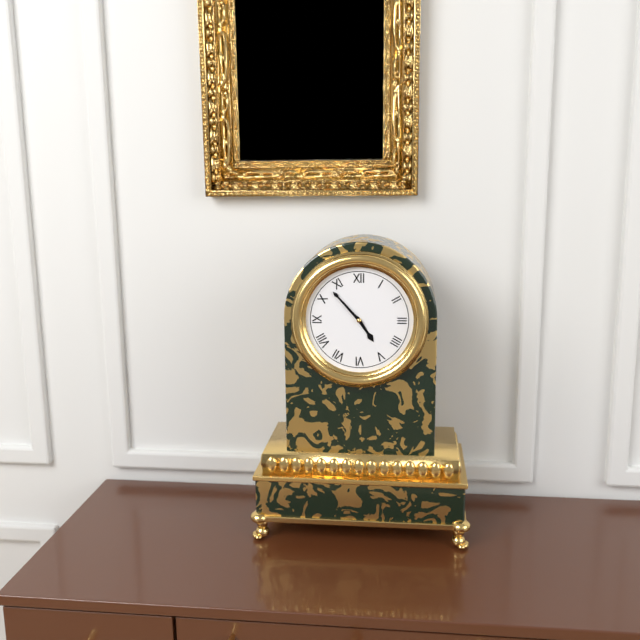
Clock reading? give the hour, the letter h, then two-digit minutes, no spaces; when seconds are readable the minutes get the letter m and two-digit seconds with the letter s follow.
4h53
